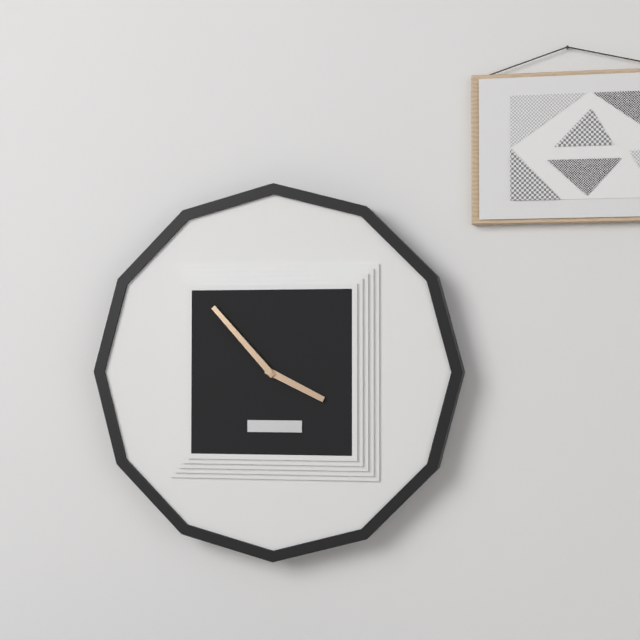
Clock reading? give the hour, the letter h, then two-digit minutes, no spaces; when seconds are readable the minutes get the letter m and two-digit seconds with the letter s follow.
3h53
